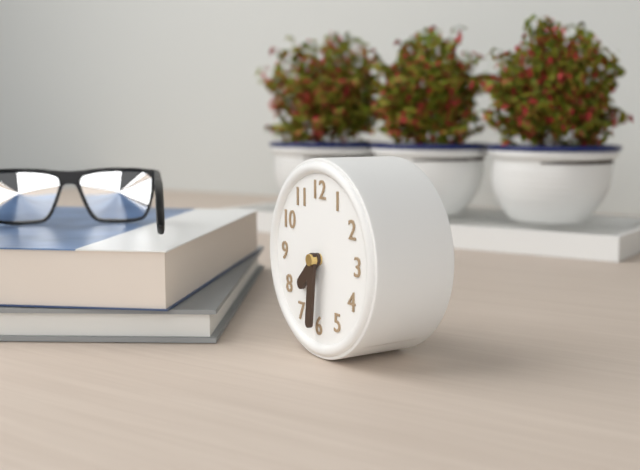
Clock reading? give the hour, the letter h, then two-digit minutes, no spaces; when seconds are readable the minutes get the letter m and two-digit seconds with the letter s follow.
7h31
